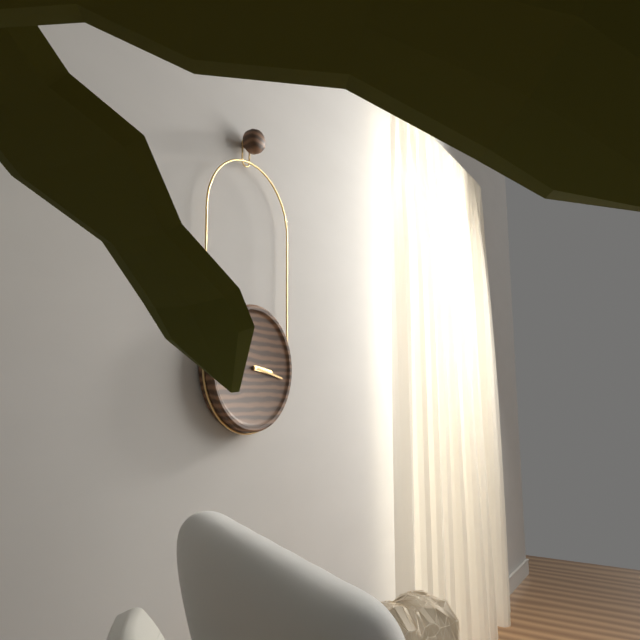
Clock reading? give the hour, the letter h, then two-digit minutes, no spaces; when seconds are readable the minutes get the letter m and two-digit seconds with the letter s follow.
3h17
